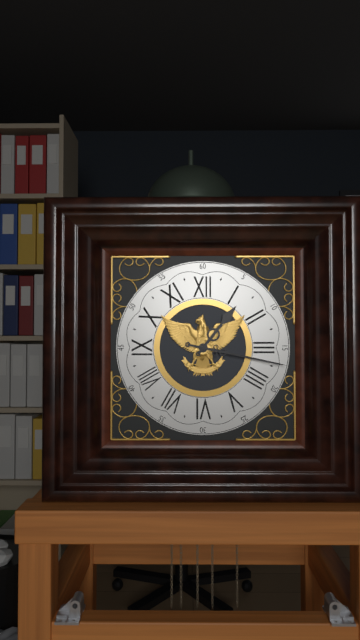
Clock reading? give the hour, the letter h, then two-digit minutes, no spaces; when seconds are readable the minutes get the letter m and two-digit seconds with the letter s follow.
1h17
